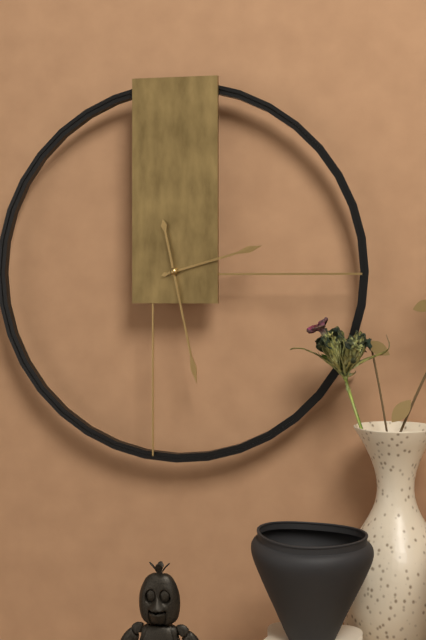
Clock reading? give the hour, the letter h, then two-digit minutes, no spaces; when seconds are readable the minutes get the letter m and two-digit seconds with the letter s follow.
2h28
